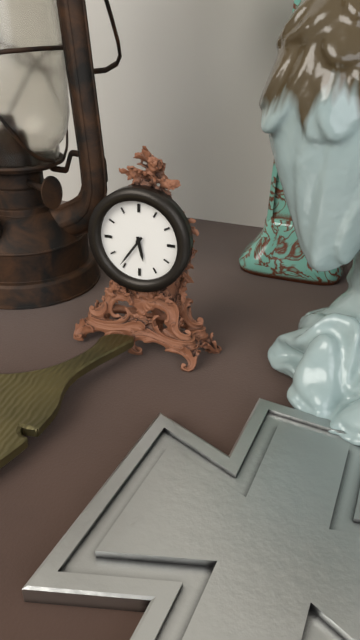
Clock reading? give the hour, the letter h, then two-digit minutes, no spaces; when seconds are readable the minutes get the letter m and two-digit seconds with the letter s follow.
5h36
